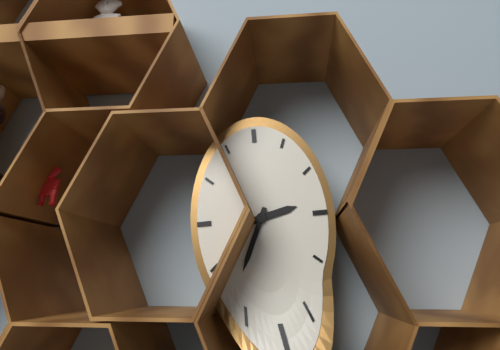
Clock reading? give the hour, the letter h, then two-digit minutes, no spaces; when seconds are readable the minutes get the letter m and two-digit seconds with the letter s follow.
2h34
